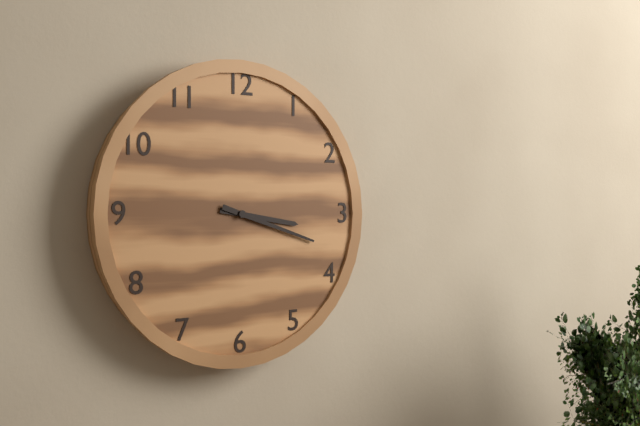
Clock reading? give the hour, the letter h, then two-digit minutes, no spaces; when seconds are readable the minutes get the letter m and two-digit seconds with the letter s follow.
3h18
